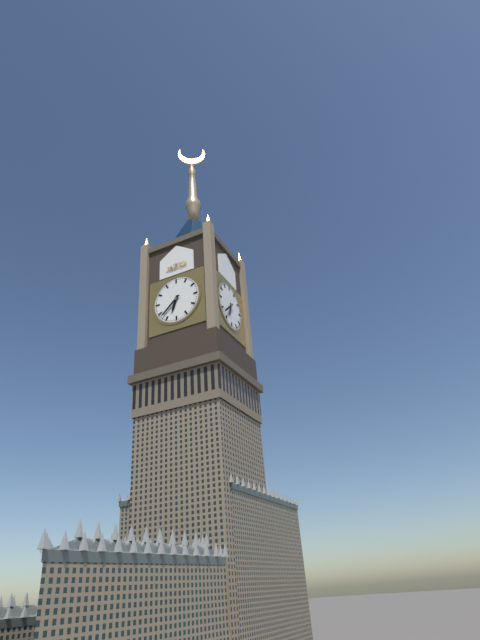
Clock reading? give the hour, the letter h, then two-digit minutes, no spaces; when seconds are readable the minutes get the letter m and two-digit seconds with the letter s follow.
6h38
